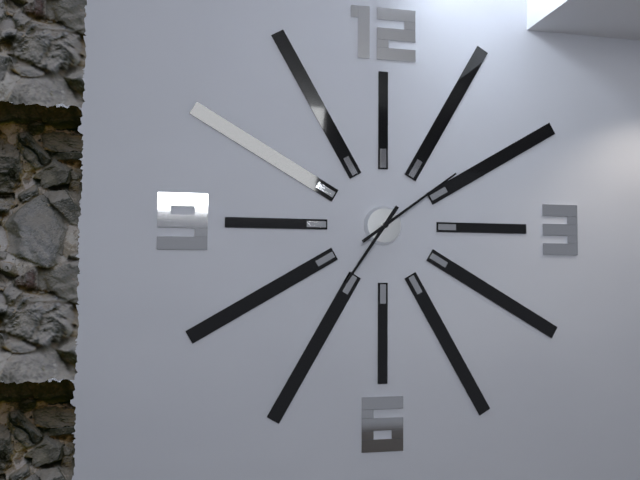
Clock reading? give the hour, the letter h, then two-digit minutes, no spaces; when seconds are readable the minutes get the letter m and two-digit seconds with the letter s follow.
7h09
